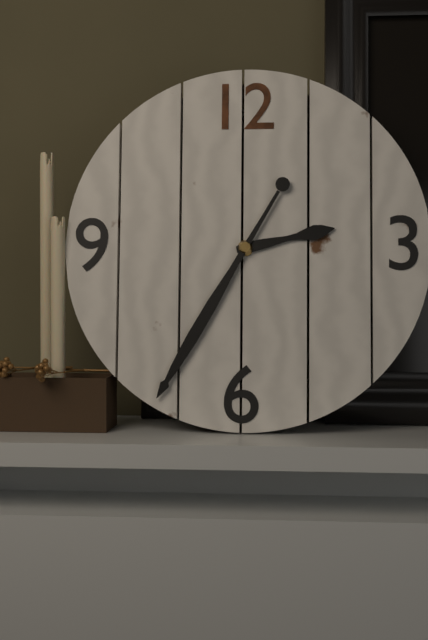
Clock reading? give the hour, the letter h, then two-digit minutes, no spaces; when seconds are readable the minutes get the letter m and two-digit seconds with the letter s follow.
2h35
